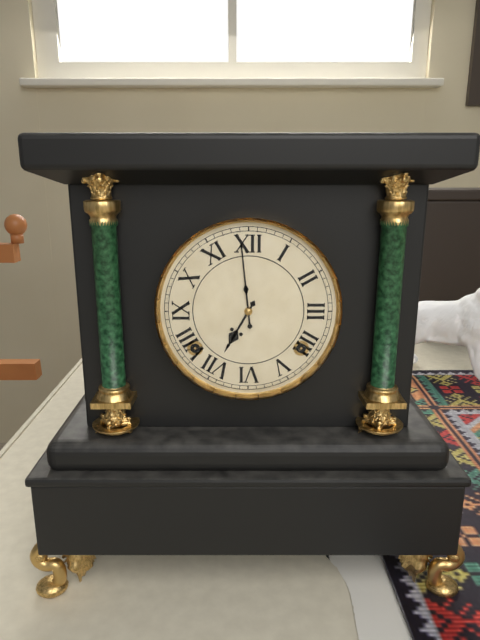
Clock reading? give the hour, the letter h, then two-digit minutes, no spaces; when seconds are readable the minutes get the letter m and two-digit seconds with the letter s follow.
6h59
